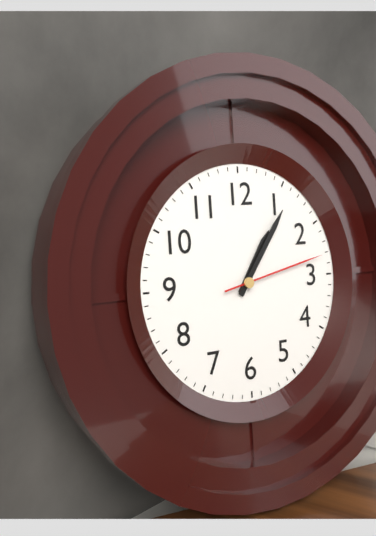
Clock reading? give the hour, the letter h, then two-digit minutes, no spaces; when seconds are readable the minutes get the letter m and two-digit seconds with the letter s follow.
1h06m13s
